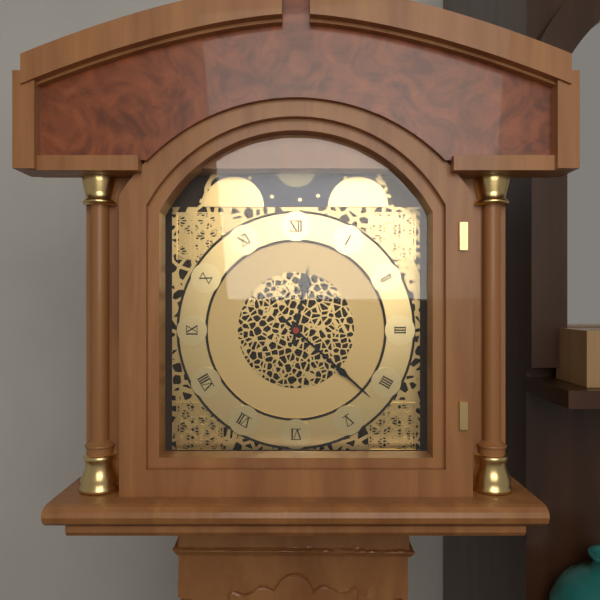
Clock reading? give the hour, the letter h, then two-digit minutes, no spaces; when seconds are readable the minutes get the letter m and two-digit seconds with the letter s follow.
12h22
